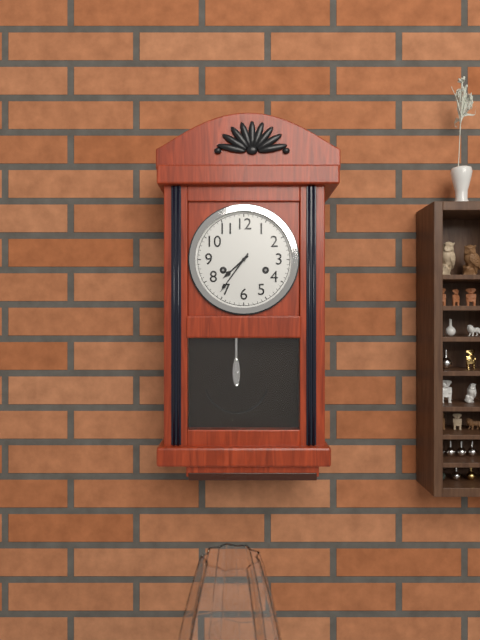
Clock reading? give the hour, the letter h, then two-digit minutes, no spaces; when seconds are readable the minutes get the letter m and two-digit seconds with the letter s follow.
7h36
